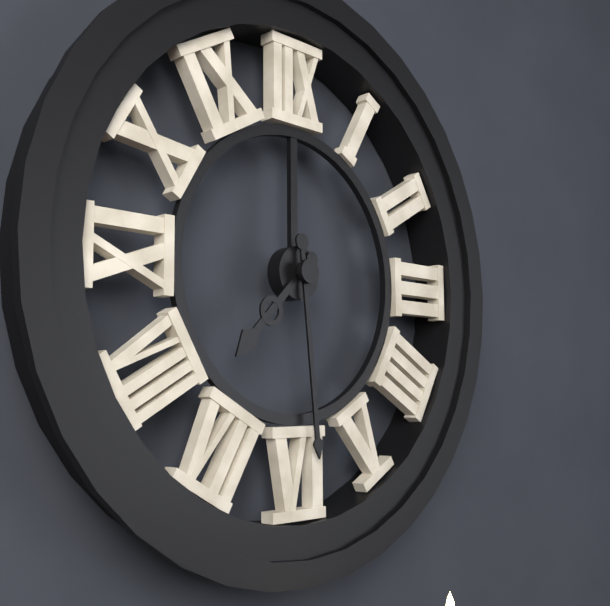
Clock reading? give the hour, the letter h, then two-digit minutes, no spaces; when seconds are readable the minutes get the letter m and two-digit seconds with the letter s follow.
7h29
